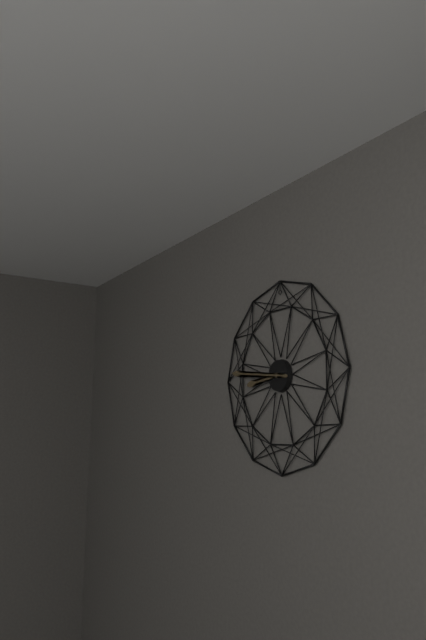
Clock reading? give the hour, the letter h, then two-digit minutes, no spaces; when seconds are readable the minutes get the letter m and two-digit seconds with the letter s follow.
8h46
